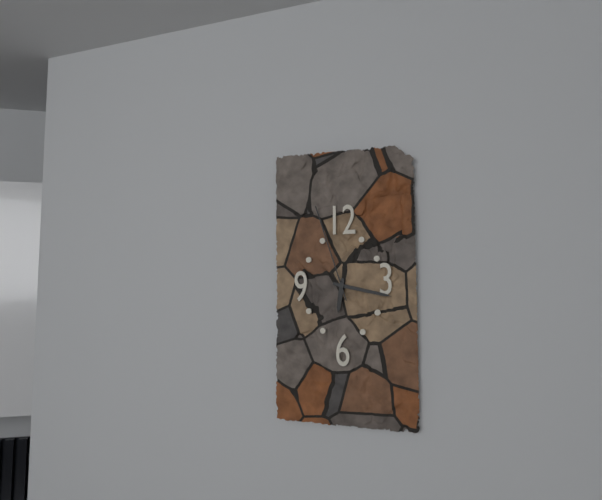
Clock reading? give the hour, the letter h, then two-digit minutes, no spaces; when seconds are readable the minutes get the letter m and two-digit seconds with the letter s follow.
6h17m57s
